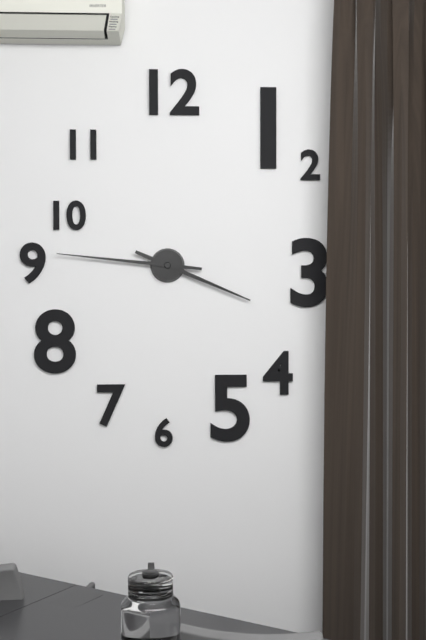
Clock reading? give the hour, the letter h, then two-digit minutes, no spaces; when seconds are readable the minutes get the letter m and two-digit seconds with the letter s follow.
3h46
